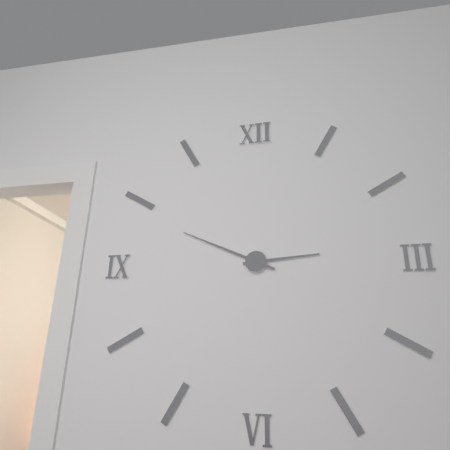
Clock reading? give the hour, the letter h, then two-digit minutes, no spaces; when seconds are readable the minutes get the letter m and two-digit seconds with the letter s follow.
2h49
